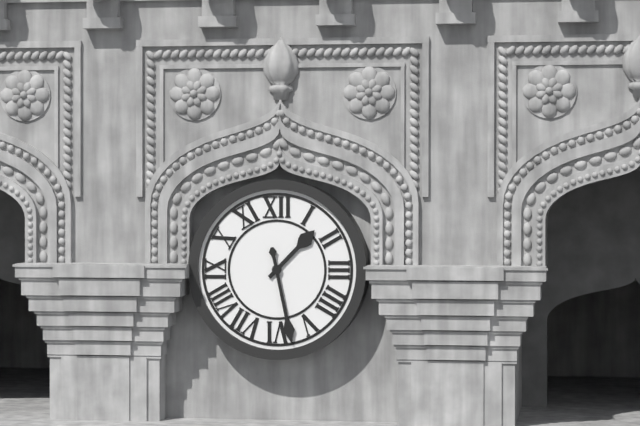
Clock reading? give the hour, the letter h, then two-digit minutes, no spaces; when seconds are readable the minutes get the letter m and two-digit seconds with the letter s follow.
1h28
